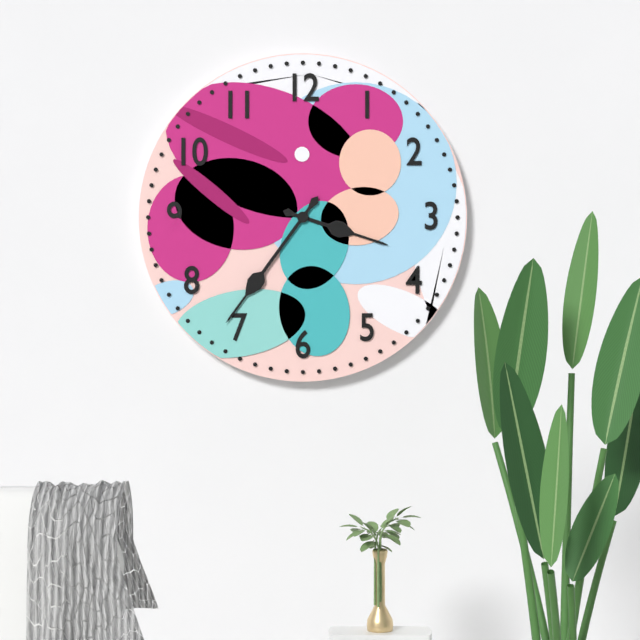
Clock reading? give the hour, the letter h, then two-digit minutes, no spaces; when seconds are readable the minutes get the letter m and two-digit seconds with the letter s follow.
3h36
